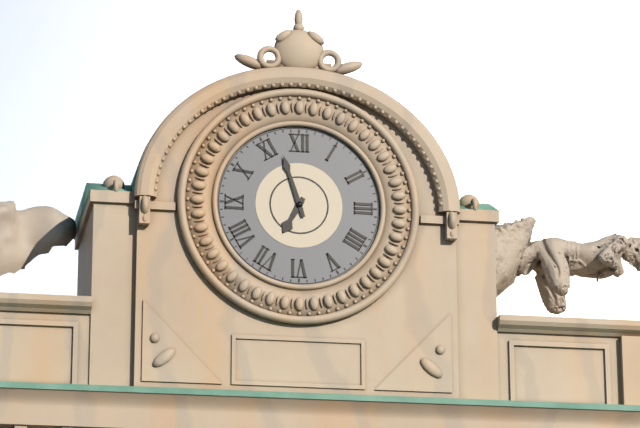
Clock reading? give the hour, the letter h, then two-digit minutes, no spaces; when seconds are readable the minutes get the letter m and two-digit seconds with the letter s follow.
6h57
